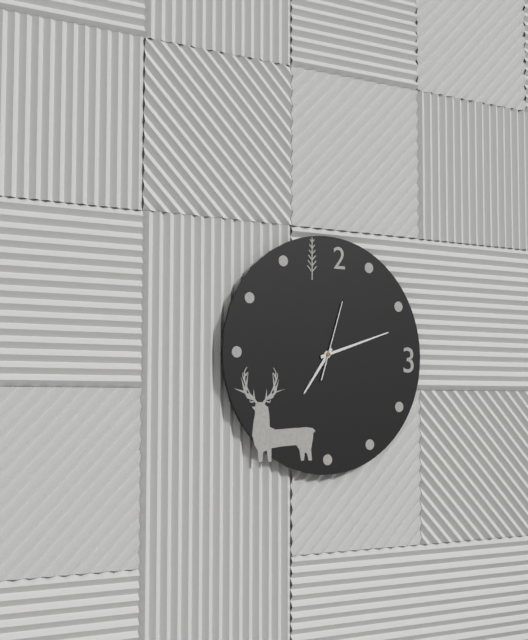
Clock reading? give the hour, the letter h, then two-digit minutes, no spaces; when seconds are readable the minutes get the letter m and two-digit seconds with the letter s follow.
7h12m03s
